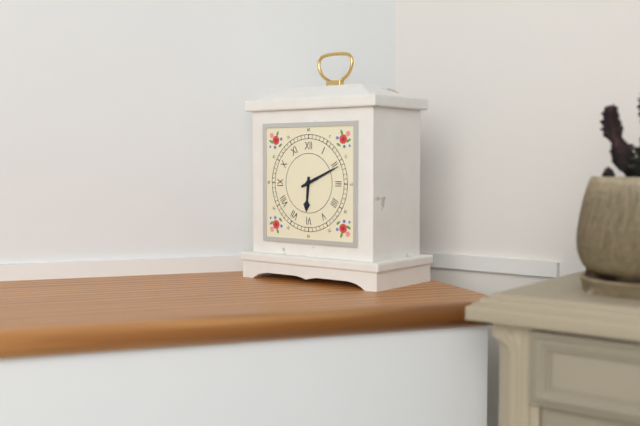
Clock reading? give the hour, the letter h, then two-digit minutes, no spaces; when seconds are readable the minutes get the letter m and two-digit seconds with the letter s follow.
6h11
